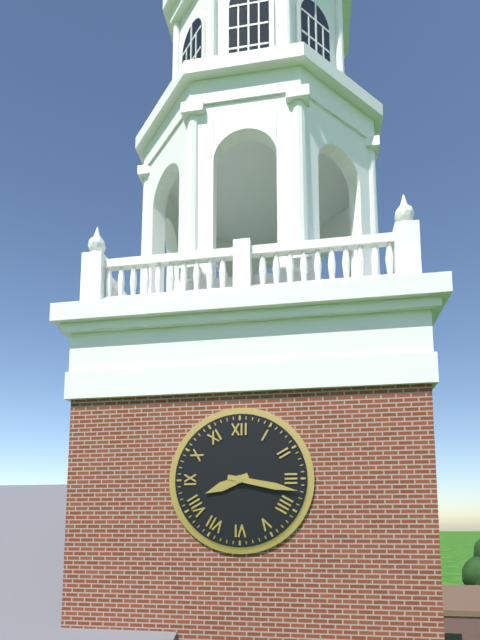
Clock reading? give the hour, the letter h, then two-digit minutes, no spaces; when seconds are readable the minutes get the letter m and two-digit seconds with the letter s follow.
8h17
